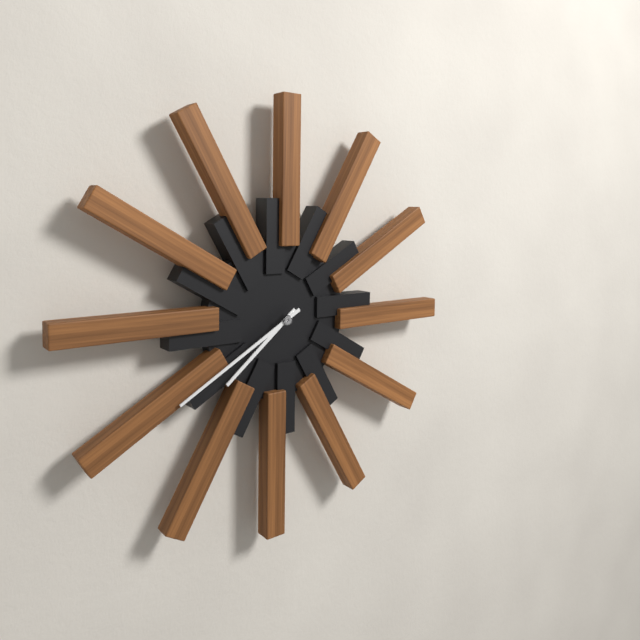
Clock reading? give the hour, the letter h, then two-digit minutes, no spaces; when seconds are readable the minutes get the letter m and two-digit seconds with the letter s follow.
7h40
